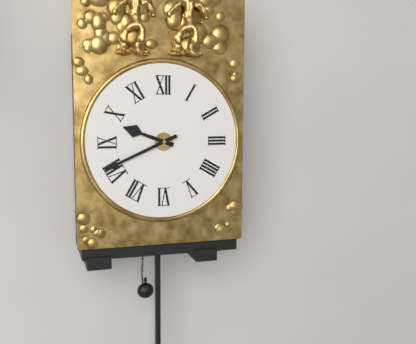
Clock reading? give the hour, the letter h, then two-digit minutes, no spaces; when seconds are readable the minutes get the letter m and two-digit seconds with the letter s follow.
9h41
